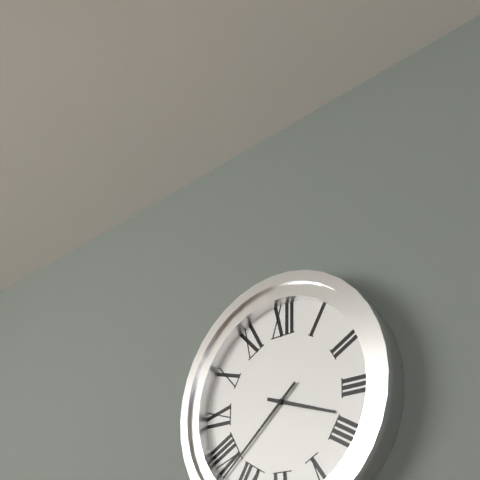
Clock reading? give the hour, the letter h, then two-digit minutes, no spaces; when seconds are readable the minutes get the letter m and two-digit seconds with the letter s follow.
3h38
